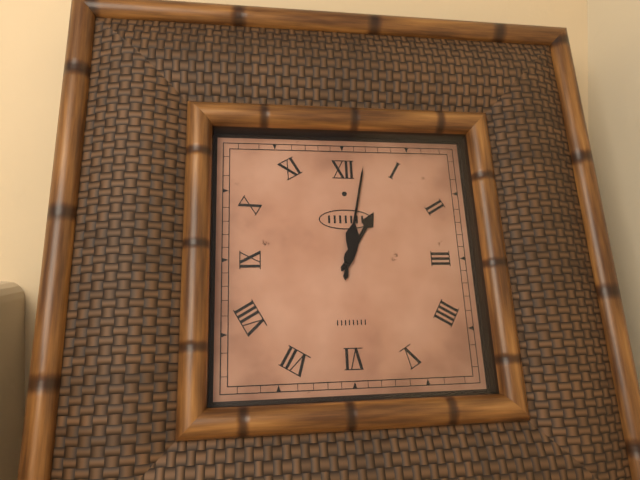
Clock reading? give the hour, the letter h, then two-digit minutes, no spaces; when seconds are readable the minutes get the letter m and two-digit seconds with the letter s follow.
1h02
